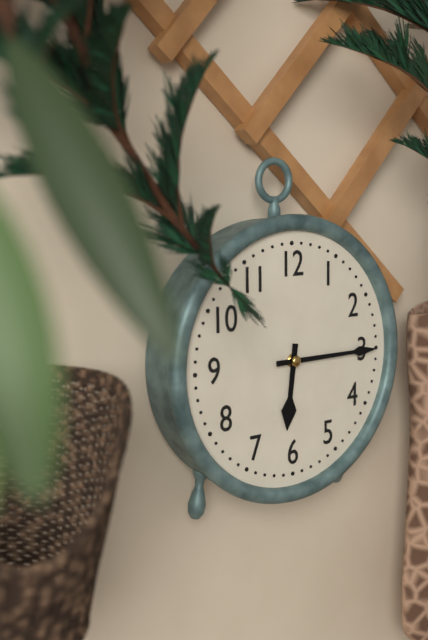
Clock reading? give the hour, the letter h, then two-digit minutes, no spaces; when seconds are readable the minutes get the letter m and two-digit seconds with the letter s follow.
6h15
